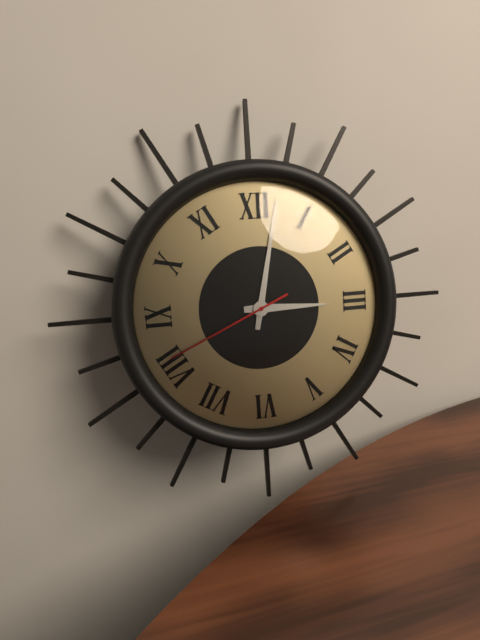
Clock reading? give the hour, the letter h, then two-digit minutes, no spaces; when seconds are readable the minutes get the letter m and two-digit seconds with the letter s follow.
3h02m41s
